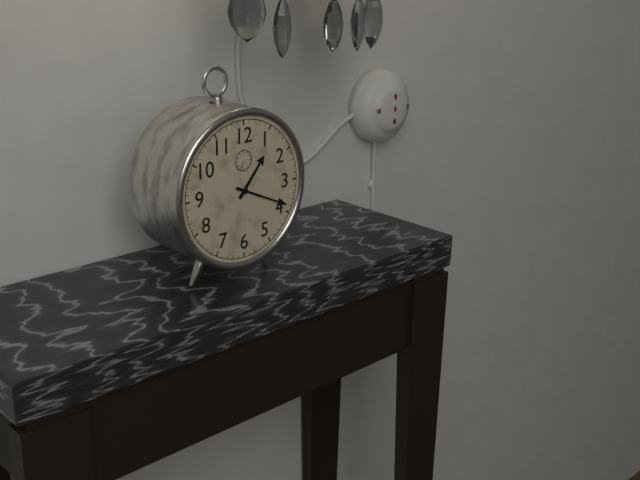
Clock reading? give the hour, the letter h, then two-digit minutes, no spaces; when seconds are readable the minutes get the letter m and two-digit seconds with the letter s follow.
1h19
